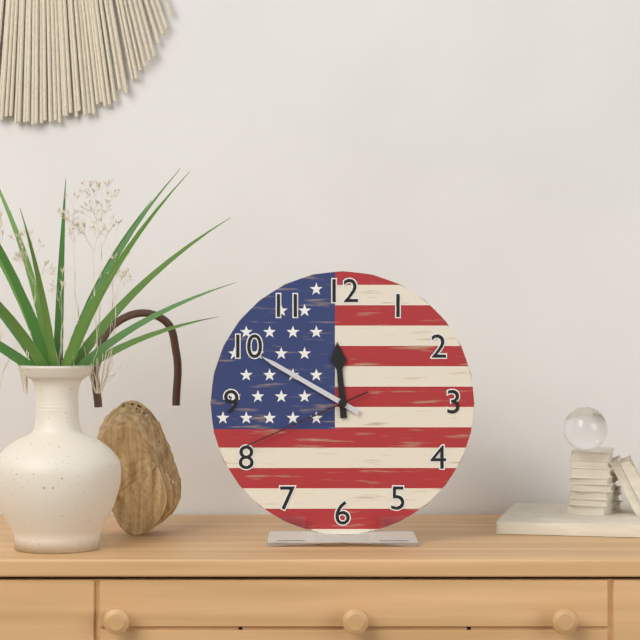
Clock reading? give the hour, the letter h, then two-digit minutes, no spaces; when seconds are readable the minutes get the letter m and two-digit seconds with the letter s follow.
11h50m41s
